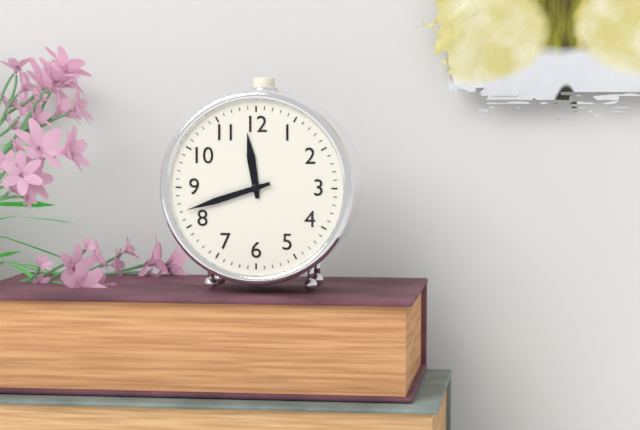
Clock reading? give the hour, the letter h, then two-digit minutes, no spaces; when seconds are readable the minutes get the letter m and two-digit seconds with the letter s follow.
11h42
